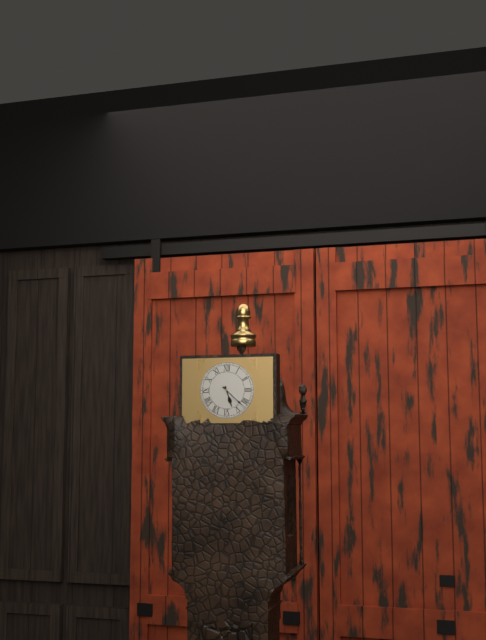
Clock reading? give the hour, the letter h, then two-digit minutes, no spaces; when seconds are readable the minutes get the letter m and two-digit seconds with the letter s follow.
5h22
